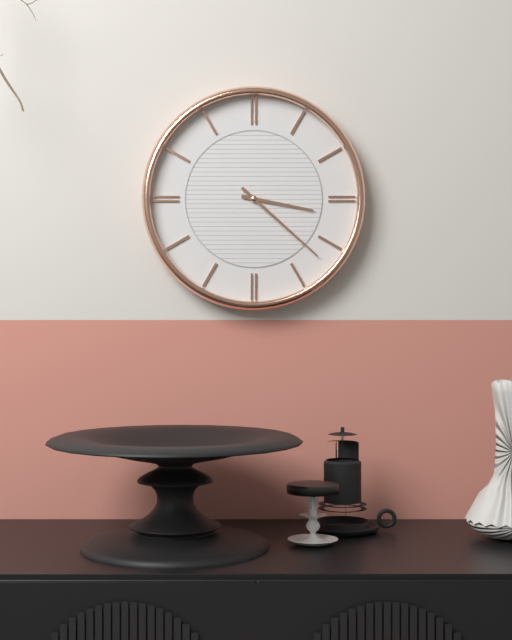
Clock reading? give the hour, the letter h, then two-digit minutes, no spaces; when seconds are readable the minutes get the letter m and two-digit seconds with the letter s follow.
3h22
